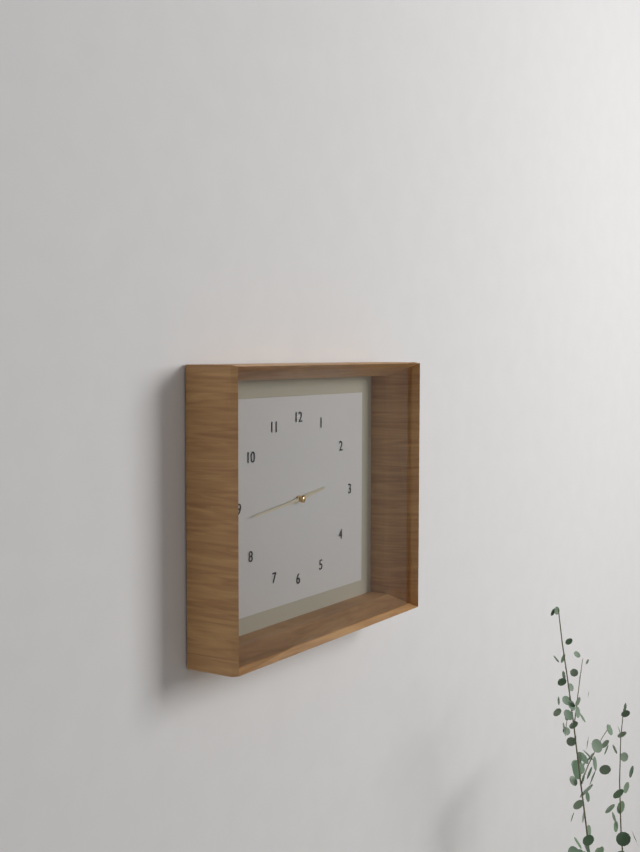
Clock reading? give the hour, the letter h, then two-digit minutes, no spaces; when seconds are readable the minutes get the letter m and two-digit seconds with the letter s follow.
2h44
